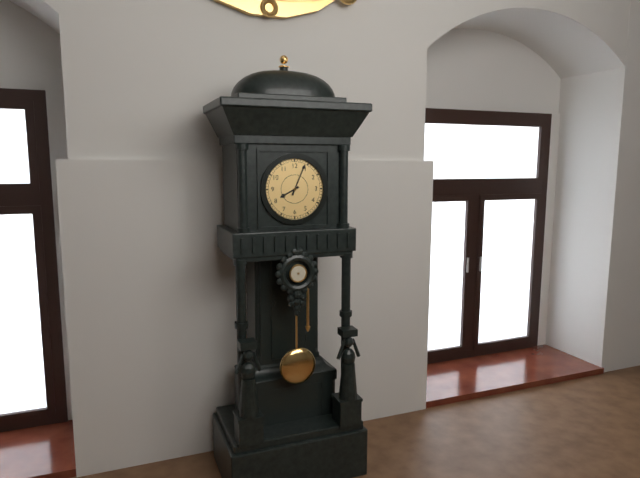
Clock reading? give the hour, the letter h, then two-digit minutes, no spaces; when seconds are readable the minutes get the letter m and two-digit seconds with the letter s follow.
8h04
